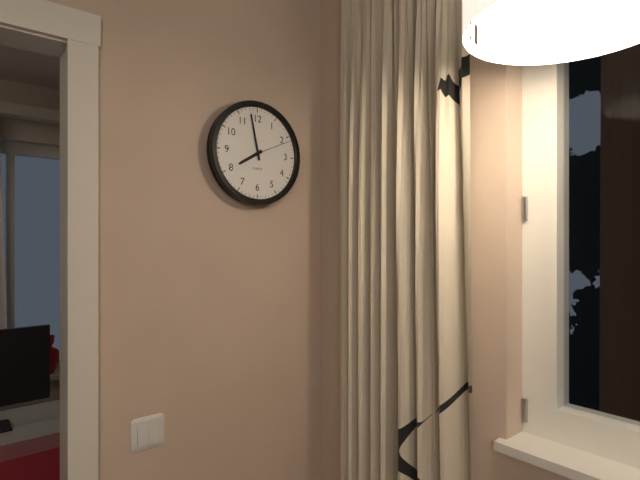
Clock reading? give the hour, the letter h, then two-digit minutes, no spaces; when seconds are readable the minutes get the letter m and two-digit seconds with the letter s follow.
7h58
